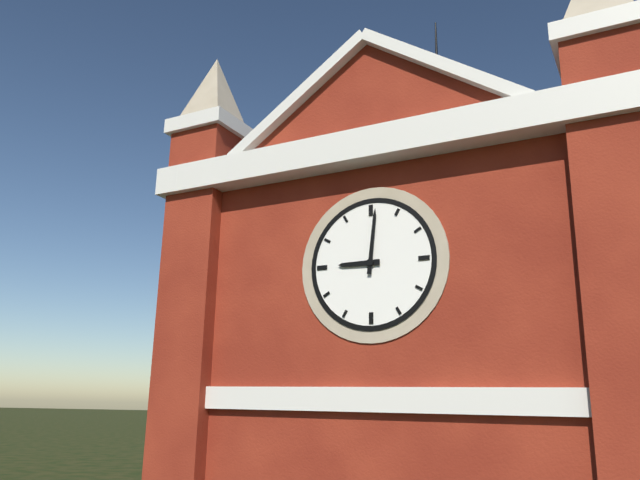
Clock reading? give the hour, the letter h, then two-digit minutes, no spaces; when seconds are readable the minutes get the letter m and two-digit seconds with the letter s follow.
9h01
